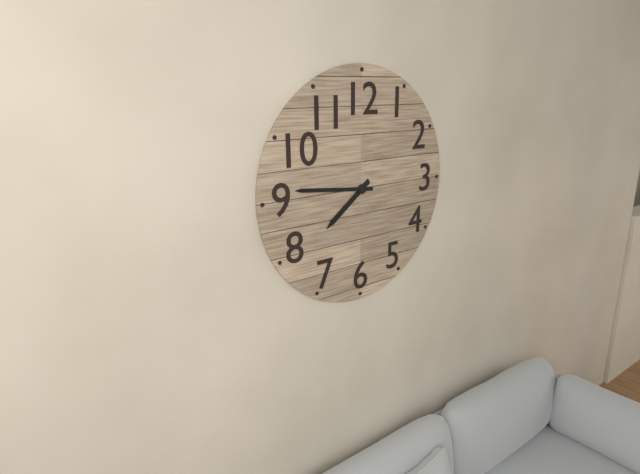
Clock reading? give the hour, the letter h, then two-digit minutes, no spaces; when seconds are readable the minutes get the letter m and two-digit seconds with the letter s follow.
7h46
